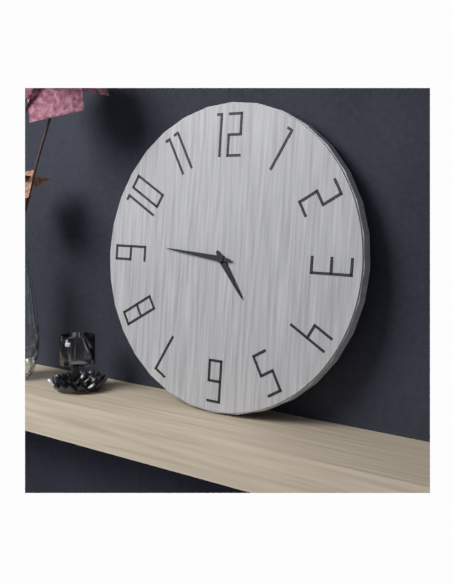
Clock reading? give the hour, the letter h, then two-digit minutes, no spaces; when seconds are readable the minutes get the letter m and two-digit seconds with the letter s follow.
4h46
